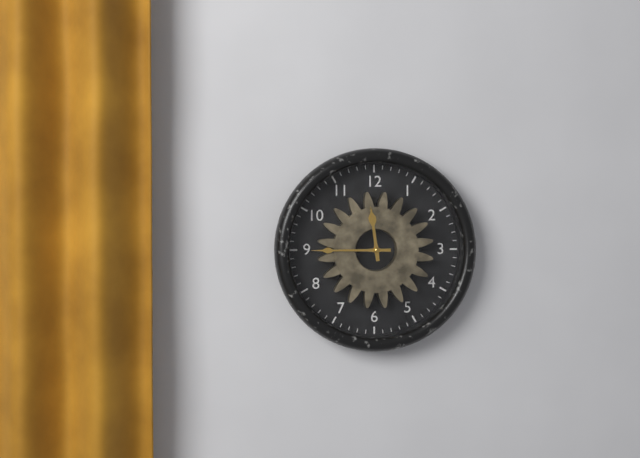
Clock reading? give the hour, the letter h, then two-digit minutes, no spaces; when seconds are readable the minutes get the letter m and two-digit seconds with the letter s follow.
11h45
